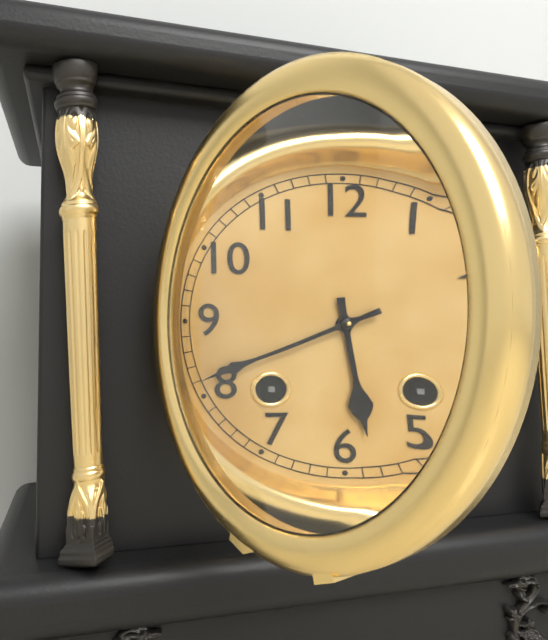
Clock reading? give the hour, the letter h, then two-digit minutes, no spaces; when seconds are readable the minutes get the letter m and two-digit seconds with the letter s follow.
5h41
